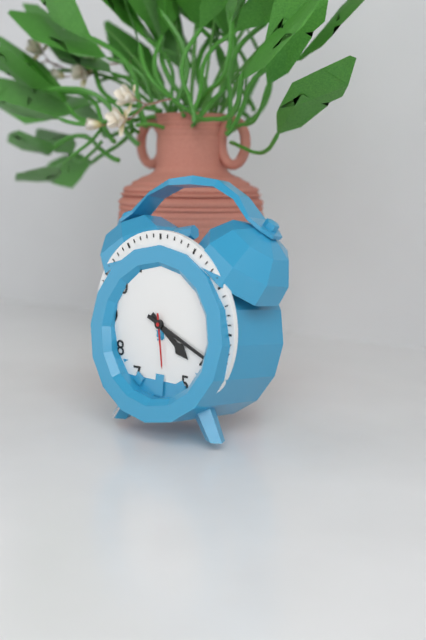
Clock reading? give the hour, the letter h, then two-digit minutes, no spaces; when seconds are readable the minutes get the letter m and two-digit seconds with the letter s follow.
4h19m29s
